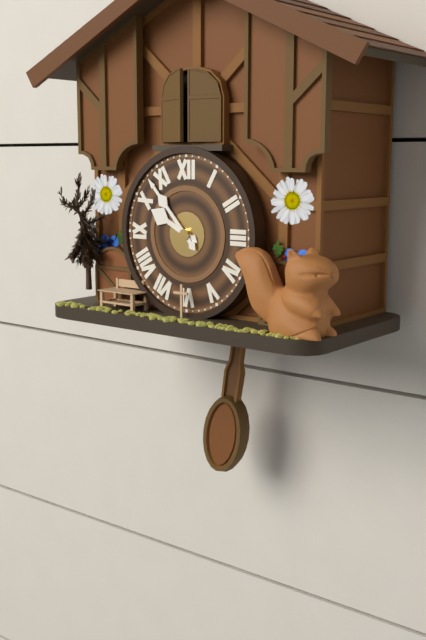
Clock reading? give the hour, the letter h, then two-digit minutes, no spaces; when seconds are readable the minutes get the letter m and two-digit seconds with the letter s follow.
9h53
